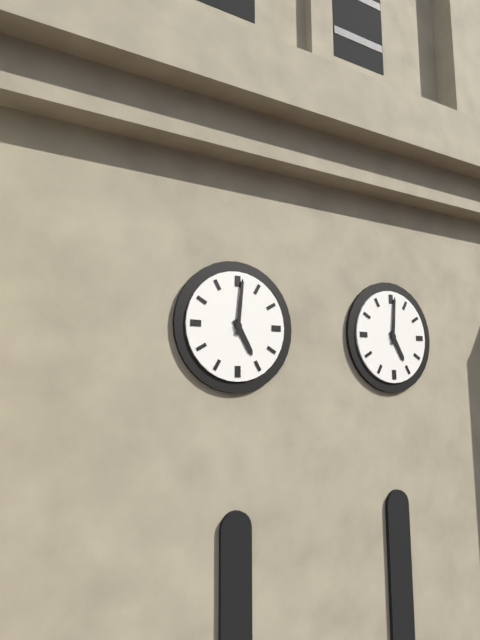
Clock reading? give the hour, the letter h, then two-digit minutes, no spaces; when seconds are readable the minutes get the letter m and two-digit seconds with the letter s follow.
5h01
